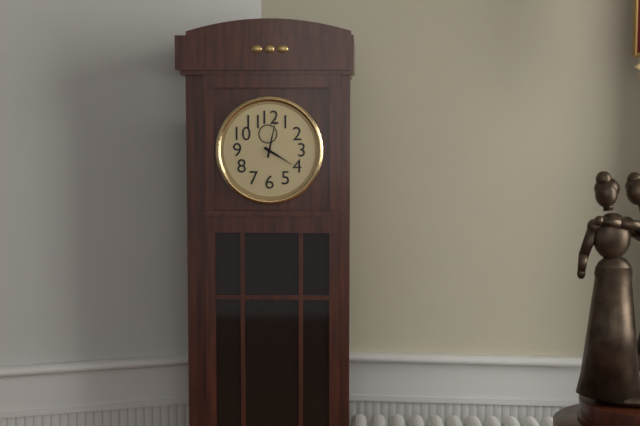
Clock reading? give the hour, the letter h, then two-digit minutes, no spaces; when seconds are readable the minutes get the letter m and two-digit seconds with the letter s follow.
4h02
